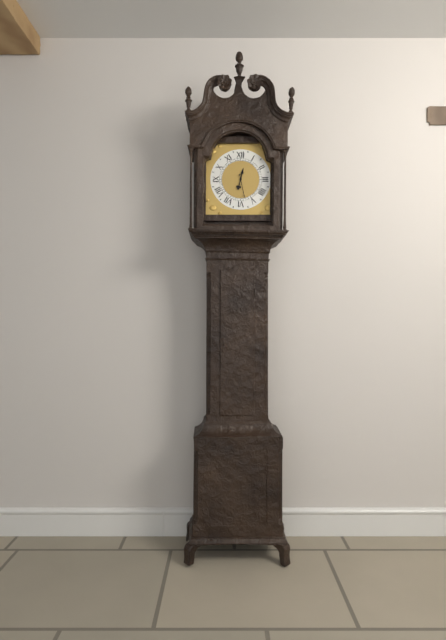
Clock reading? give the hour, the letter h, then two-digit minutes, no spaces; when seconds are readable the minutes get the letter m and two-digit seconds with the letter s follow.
12h28
